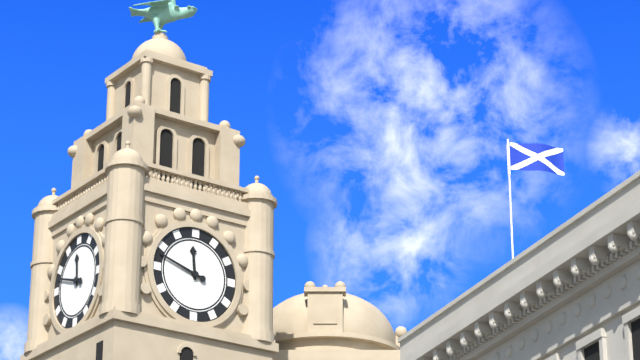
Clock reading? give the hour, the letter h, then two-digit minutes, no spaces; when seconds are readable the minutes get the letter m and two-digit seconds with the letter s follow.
11h48
